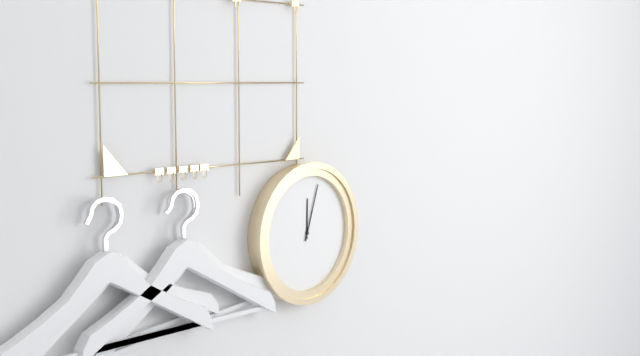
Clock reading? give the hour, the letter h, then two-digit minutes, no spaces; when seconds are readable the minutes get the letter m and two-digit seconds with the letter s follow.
12h03
